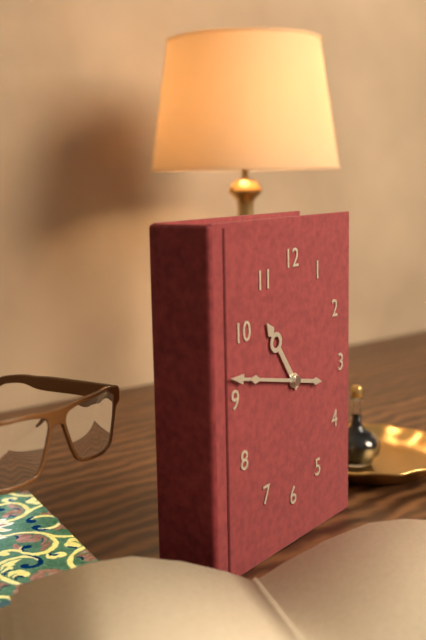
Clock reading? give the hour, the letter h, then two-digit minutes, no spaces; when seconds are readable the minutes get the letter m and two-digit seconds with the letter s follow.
10h47
